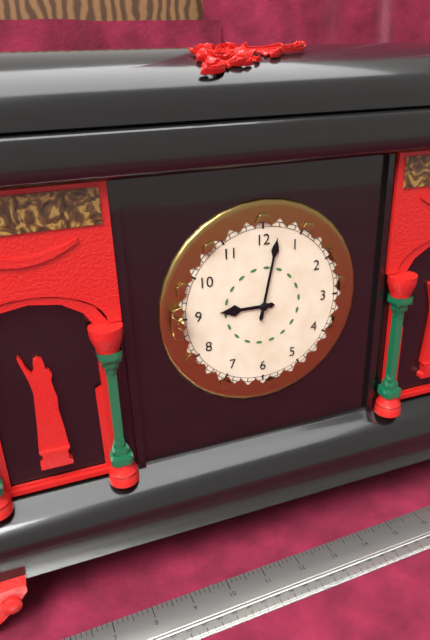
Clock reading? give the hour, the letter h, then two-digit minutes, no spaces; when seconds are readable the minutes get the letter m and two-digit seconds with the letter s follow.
9h02
